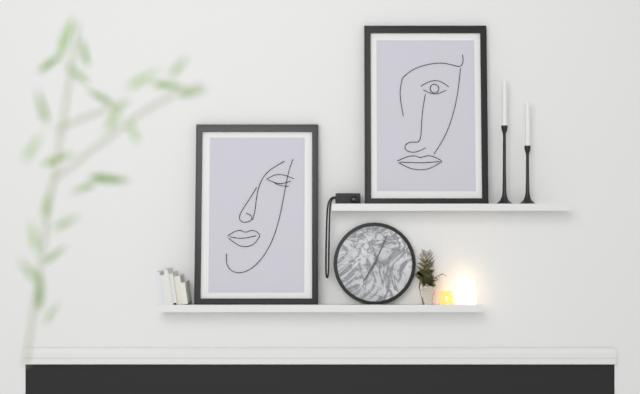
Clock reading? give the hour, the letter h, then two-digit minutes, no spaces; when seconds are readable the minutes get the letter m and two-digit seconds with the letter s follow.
7h04
